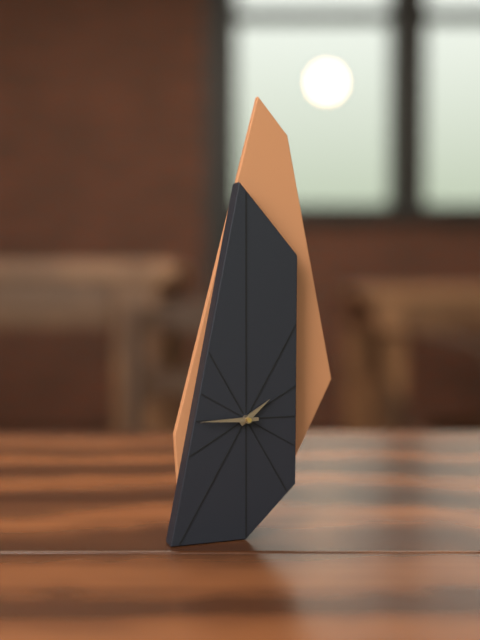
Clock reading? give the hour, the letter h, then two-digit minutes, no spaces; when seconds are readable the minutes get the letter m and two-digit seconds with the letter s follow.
1h45
